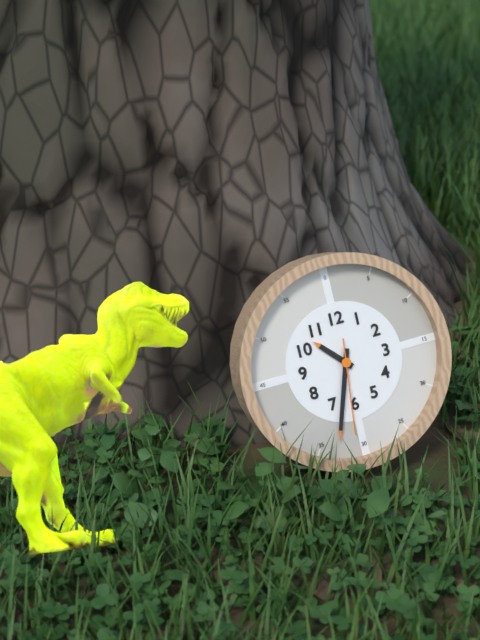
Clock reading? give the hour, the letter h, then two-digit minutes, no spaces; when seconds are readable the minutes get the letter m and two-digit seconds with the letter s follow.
10h33m31s
